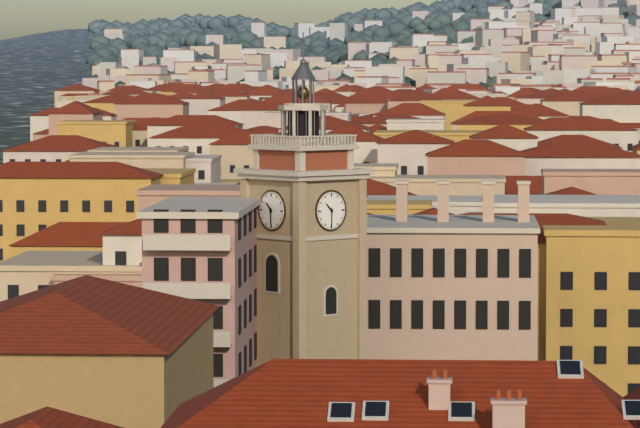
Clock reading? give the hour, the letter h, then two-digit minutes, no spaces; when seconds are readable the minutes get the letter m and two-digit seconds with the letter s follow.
10h30
